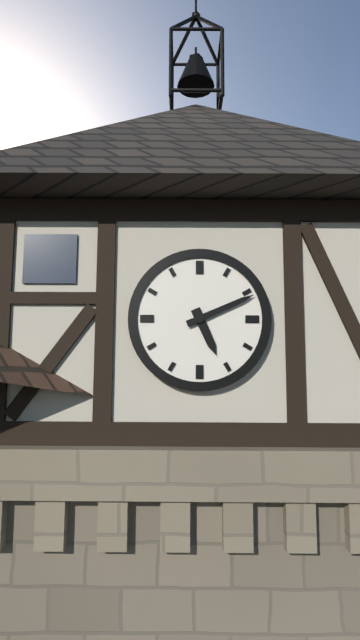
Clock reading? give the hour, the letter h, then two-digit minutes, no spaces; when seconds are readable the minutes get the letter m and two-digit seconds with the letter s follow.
5h11
